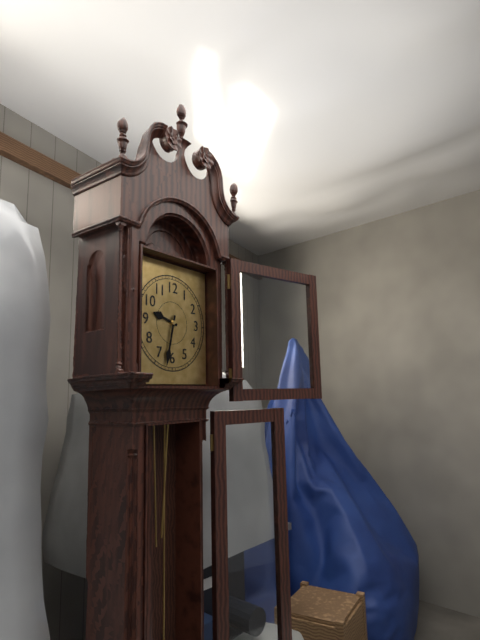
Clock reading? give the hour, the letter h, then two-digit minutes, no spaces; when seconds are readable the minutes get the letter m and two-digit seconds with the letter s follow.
9h32
